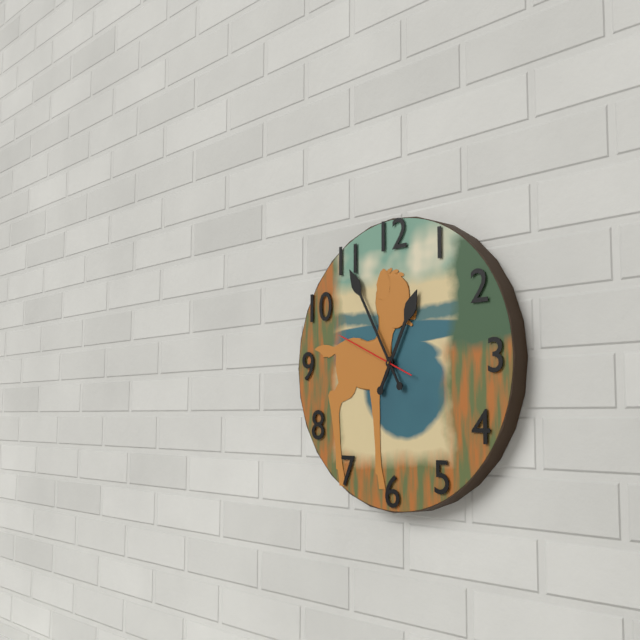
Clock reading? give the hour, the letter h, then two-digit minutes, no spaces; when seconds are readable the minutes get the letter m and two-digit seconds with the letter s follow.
12h55m49s
